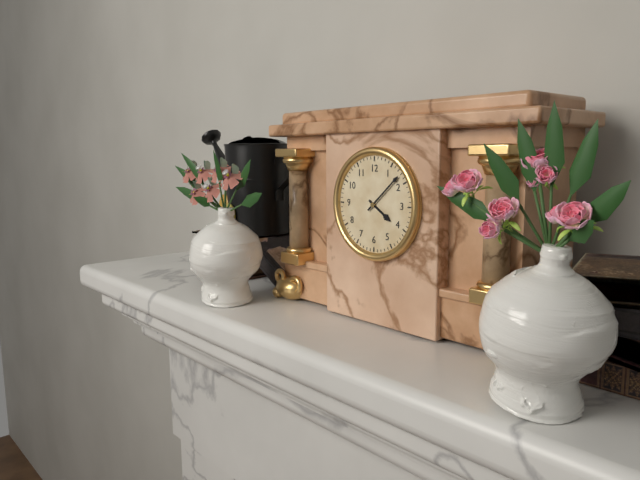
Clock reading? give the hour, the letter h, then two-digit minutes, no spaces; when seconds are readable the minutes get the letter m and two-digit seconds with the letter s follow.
4h08
